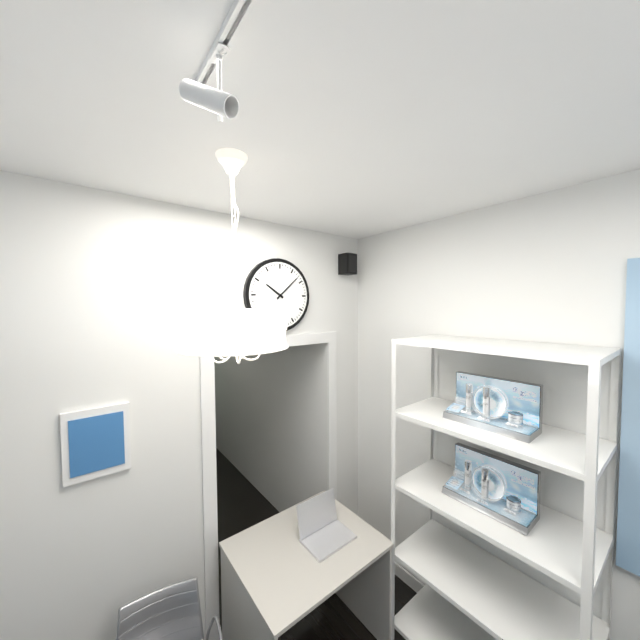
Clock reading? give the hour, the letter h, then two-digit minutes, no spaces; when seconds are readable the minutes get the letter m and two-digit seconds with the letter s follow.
10h08
